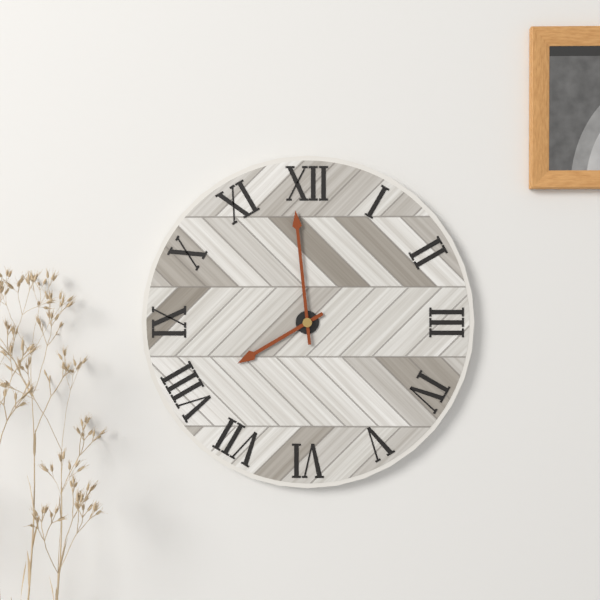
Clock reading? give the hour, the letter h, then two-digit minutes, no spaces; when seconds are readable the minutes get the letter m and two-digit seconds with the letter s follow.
7h59
